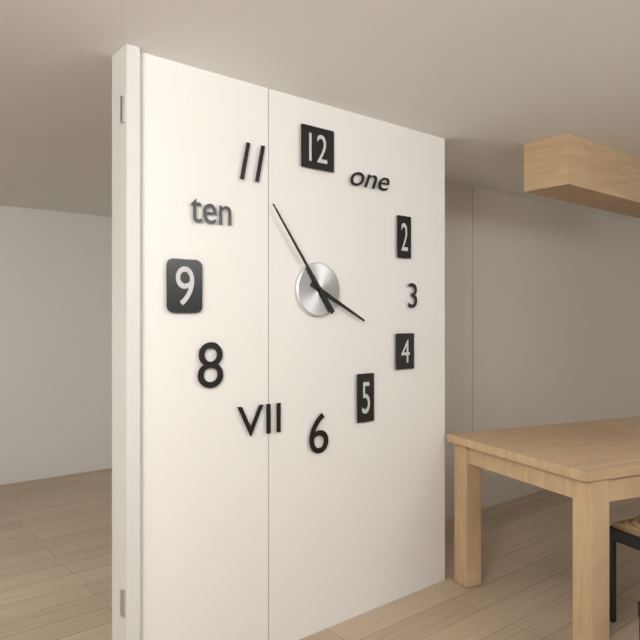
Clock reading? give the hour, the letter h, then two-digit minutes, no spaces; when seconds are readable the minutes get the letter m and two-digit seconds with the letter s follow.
3h54
